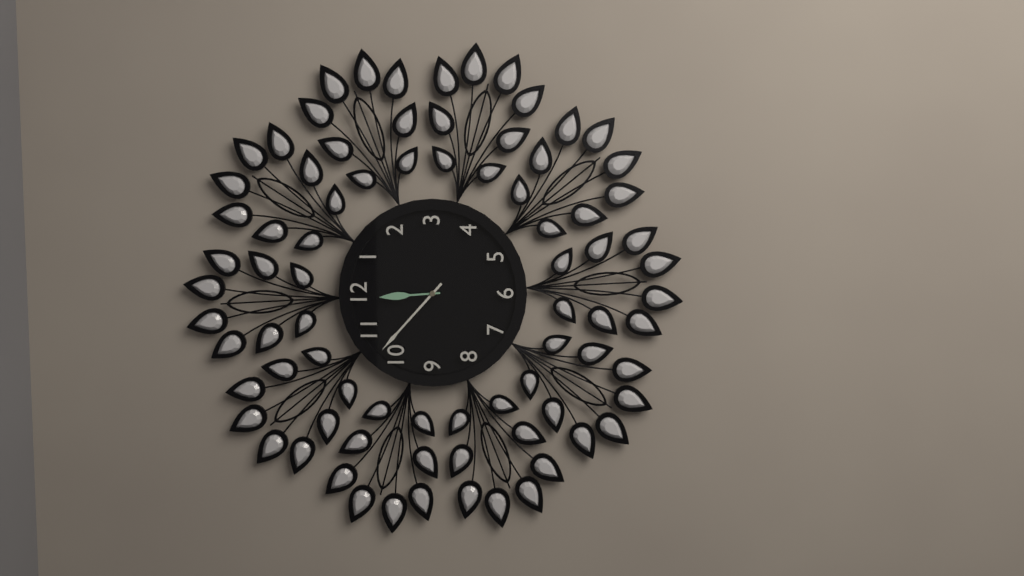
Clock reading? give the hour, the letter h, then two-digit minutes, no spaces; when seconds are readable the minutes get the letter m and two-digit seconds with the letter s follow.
11h52
